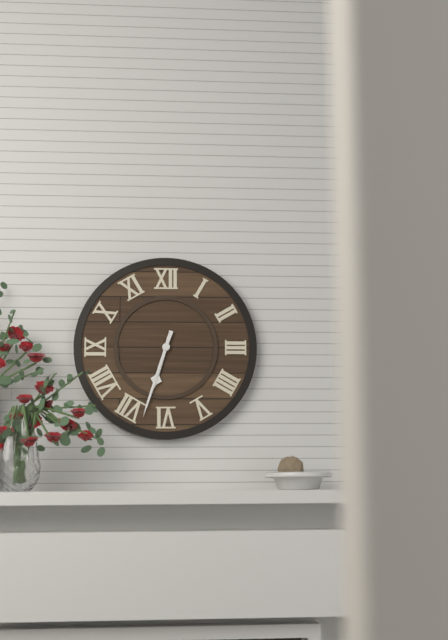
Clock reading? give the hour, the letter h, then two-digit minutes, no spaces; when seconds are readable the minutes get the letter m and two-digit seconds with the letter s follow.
6h33
